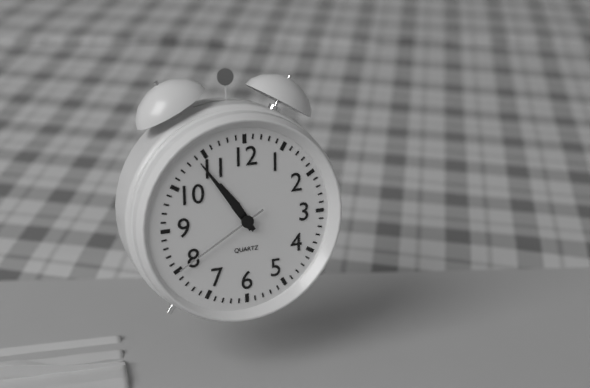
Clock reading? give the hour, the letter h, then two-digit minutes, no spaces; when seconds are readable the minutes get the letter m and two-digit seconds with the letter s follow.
10h54m40s
